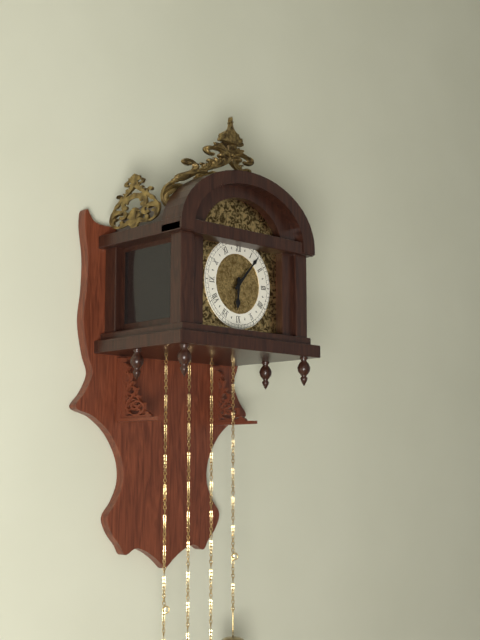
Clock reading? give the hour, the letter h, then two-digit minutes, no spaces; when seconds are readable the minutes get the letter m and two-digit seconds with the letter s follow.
6h07
